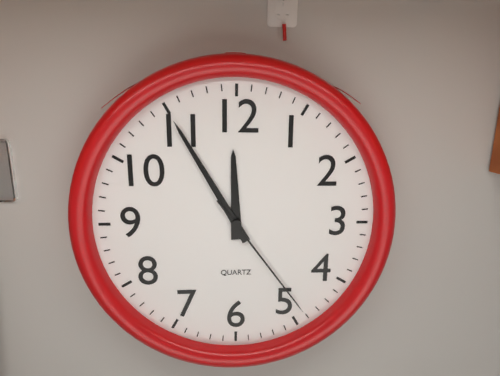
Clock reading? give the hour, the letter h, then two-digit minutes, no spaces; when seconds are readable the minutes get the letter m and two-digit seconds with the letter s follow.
11h55m24s
